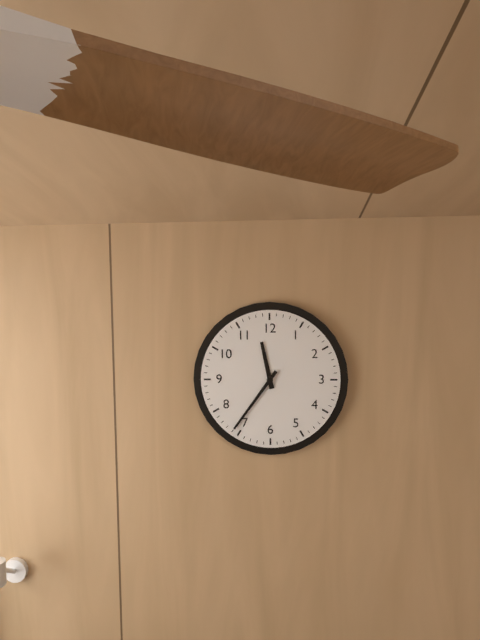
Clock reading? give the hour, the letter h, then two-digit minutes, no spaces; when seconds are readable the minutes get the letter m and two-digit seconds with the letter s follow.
11h36
